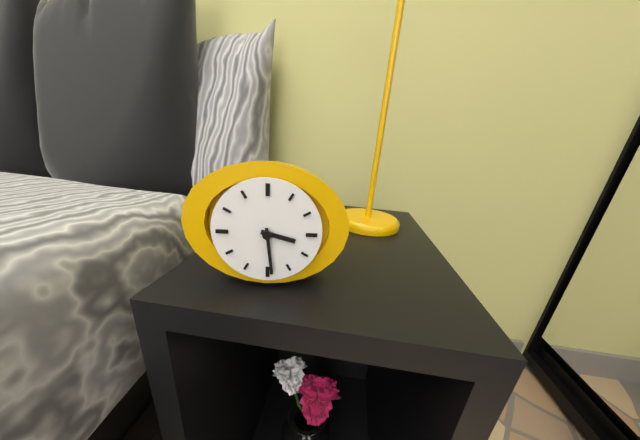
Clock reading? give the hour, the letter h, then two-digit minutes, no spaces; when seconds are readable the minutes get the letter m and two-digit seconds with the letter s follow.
3h29
